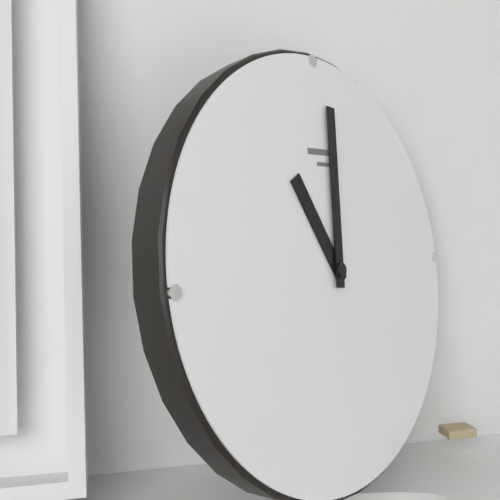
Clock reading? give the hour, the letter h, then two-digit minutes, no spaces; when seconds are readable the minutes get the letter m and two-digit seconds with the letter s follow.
11h01
